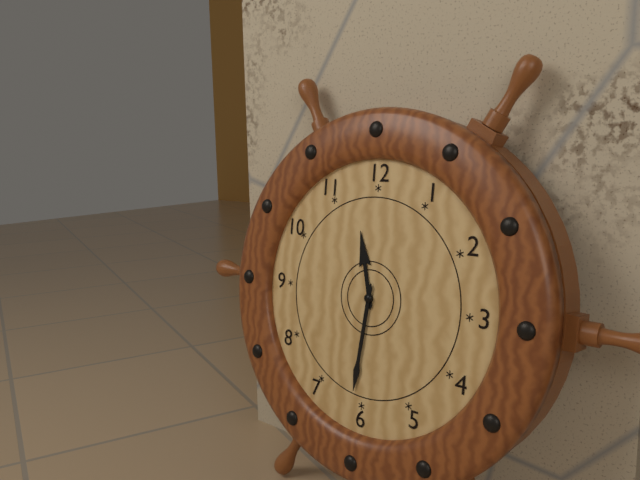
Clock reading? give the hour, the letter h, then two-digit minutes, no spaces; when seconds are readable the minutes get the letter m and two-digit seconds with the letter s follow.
11h31
